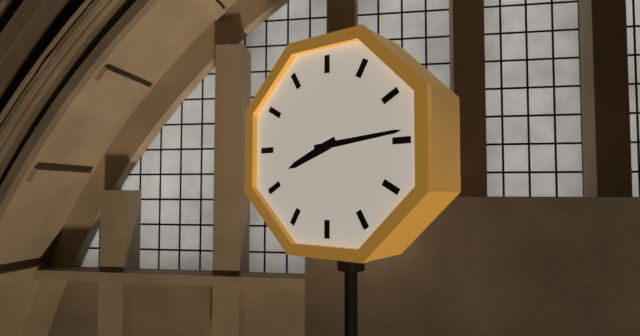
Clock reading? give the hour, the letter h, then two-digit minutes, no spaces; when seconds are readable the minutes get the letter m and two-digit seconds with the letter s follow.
8h14
